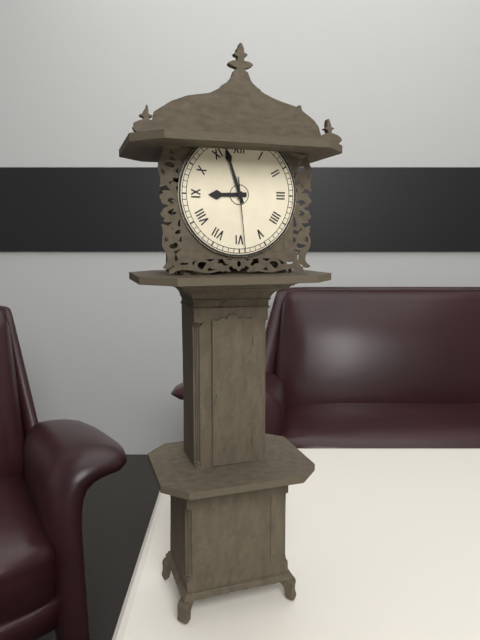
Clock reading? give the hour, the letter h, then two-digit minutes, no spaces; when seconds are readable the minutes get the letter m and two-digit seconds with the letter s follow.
8h57m29s
